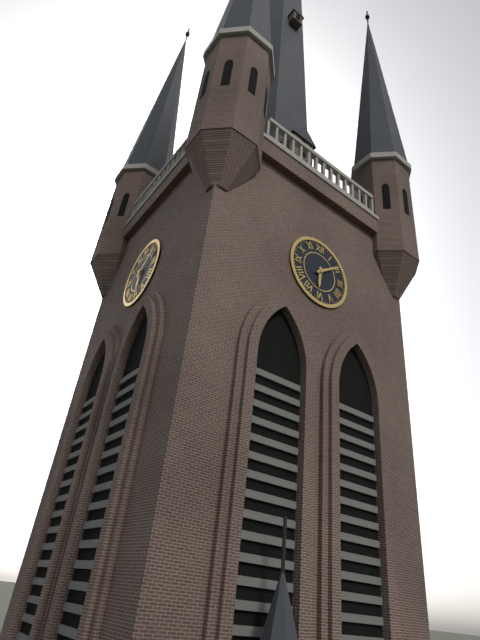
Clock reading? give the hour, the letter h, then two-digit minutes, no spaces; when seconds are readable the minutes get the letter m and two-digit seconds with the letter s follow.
6h09
